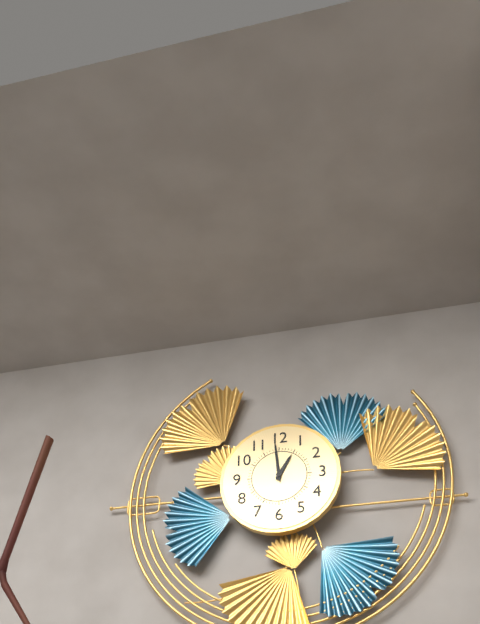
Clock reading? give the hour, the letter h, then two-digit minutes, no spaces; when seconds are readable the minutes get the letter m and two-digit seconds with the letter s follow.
12h59
